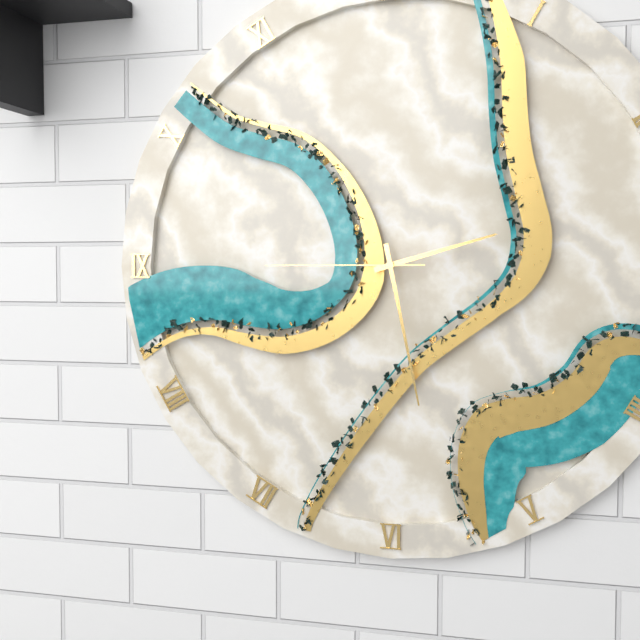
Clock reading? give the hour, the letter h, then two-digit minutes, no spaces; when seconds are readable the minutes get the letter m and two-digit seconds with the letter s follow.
2h28m45s
